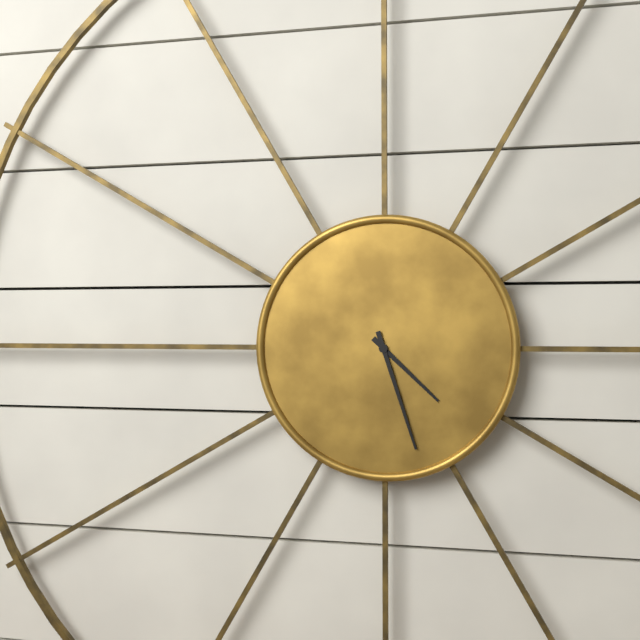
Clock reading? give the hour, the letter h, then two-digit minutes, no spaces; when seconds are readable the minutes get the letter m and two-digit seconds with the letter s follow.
4h27
